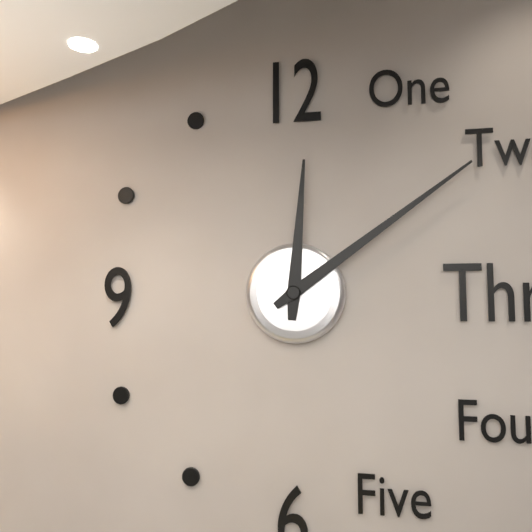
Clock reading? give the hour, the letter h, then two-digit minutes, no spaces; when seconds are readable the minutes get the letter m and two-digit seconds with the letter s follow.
12h09
